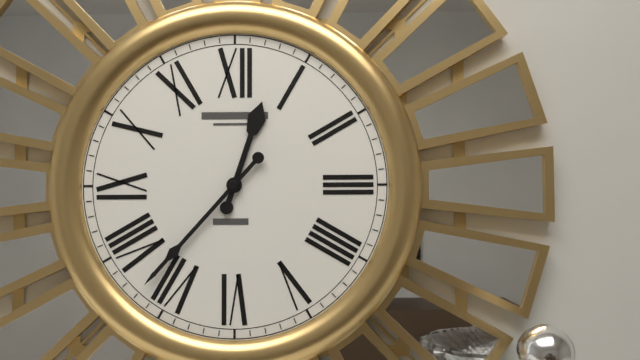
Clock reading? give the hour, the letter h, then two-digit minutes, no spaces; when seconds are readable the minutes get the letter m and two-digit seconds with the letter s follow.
12h37
